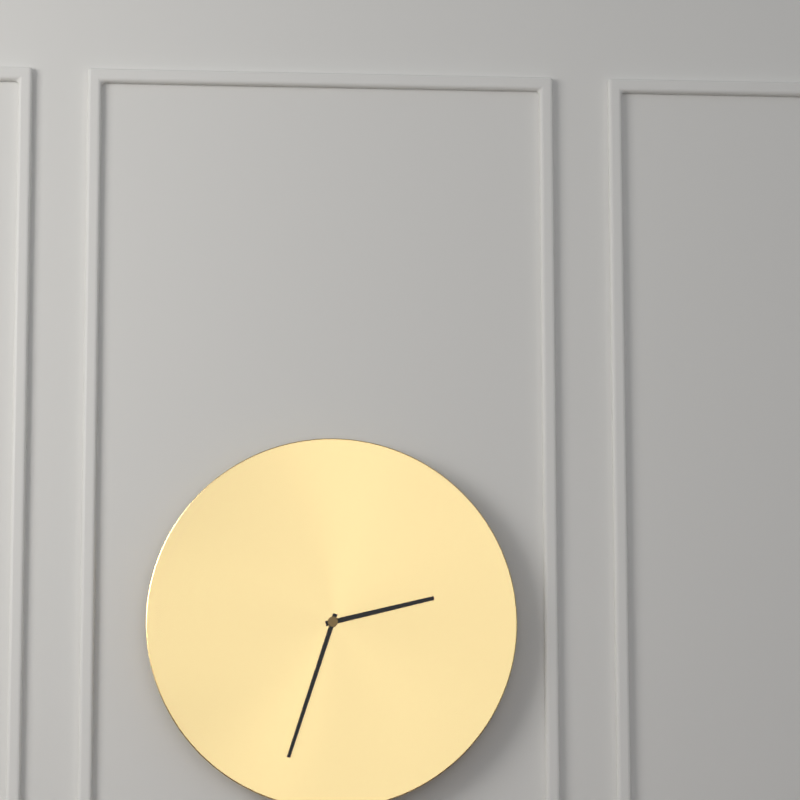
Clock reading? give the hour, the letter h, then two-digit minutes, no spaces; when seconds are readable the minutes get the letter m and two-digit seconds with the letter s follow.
2h33
